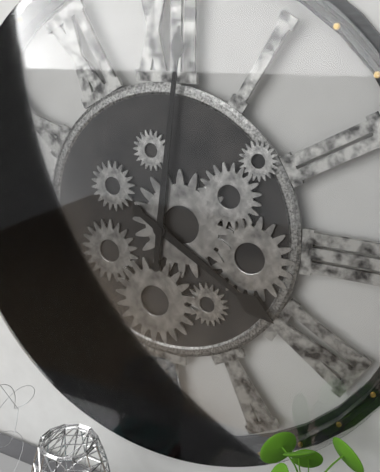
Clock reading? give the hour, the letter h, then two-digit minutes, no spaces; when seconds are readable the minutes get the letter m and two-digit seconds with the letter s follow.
4h01
